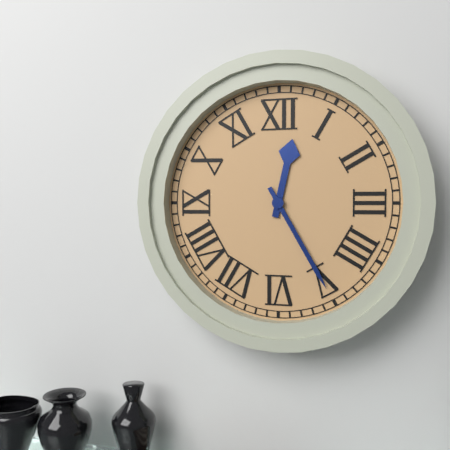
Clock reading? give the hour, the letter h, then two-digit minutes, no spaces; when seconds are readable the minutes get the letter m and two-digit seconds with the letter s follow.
12h25
